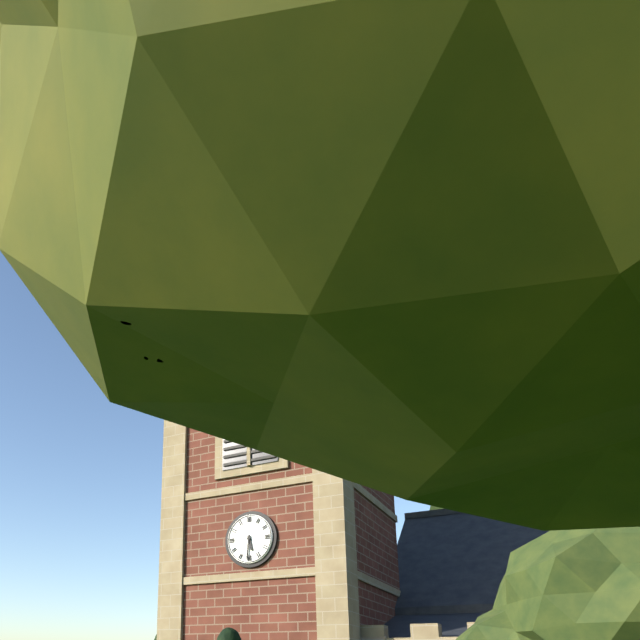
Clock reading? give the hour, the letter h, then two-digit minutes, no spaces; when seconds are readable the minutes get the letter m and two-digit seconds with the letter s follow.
5h31
